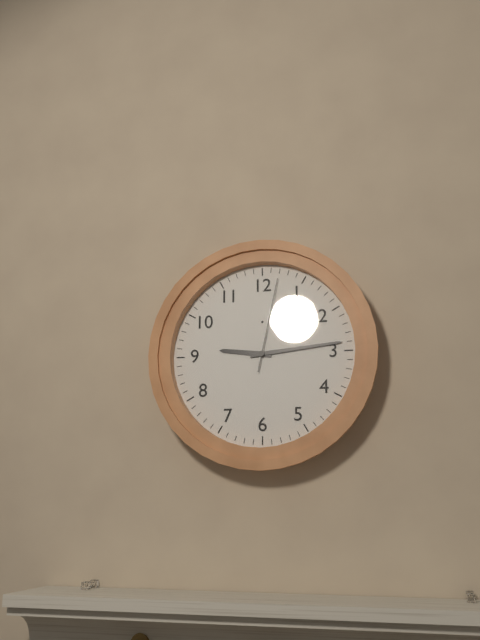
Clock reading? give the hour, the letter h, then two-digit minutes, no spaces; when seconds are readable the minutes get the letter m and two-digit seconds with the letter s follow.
9h14m02s
